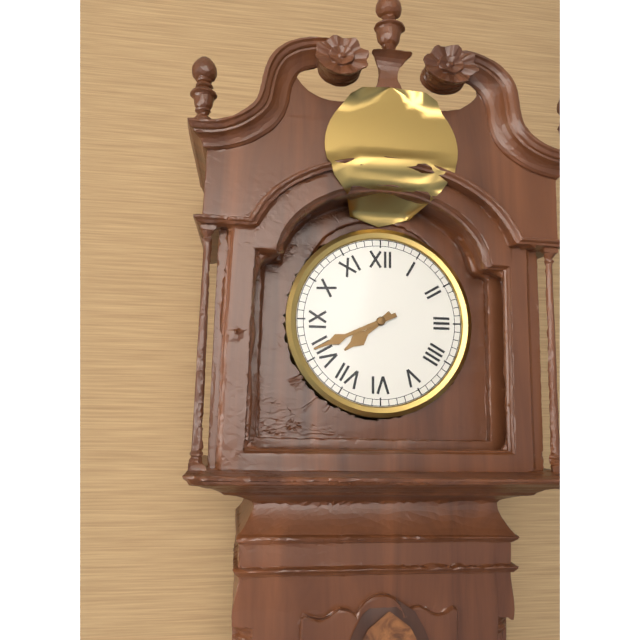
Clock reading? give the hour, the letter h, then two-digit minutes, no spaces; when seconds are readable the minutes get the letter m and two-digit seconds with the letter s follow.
7h41
